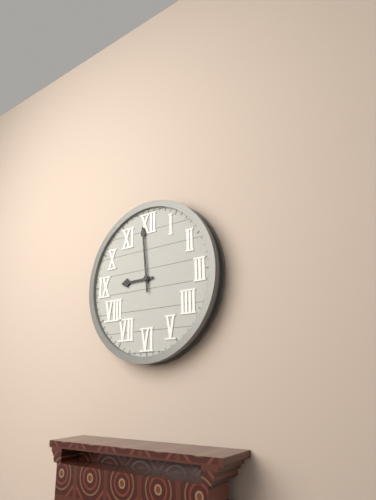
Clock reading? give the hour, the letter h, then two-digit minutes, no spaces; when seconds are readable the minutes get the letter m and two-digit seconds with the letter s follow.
8h59
